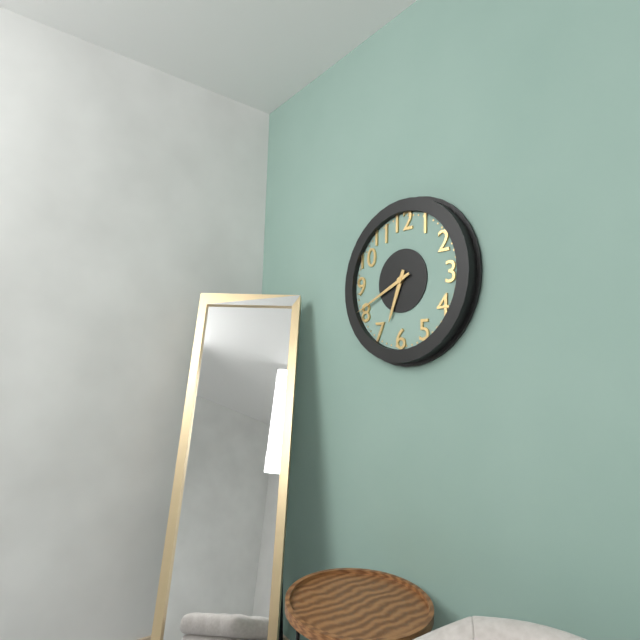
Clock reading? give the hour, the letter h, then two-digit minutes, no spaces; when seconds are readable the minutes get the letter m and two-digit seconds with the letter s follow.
6h41
